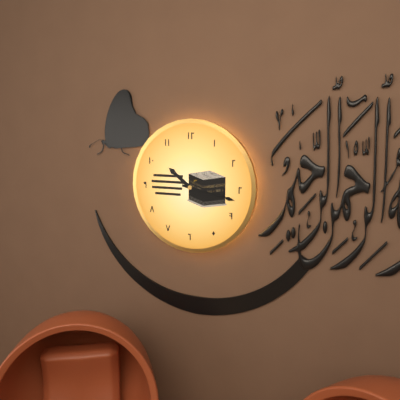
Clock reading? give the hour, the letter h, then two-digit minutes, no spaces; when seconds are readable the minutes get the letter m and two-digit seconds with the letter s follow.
10h17
